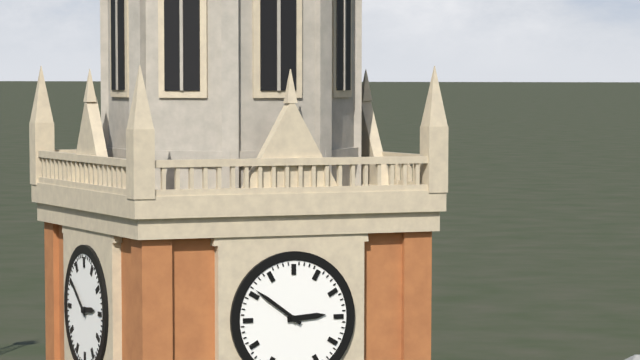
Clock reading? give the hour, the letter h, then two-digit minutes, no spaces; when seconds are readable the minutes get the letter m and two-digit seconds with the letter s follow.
2h51
